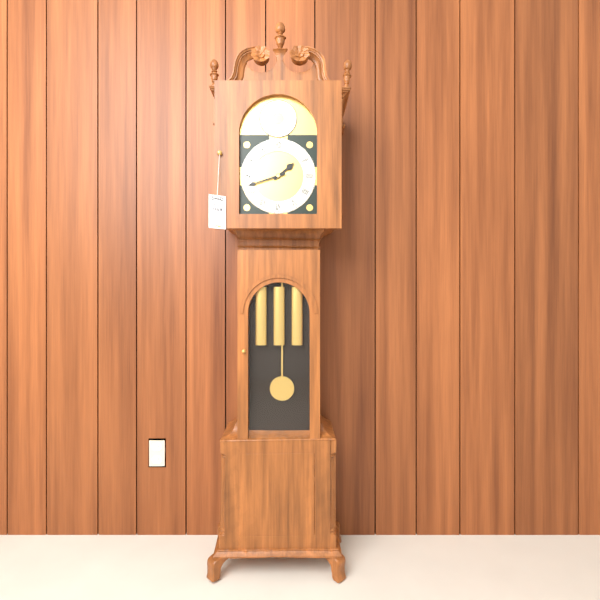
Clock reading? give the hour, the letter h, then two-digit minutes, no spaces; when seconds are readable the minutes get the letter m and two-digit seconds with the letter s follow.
1h42
